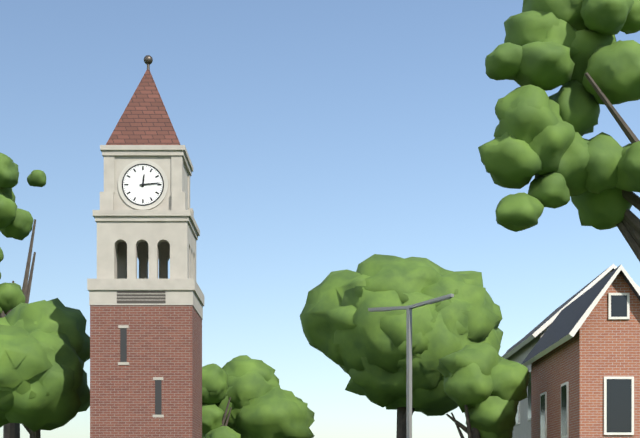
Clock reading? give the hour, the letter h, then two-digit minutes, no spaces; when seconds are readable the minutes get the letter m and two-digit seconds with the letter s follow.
12h14
